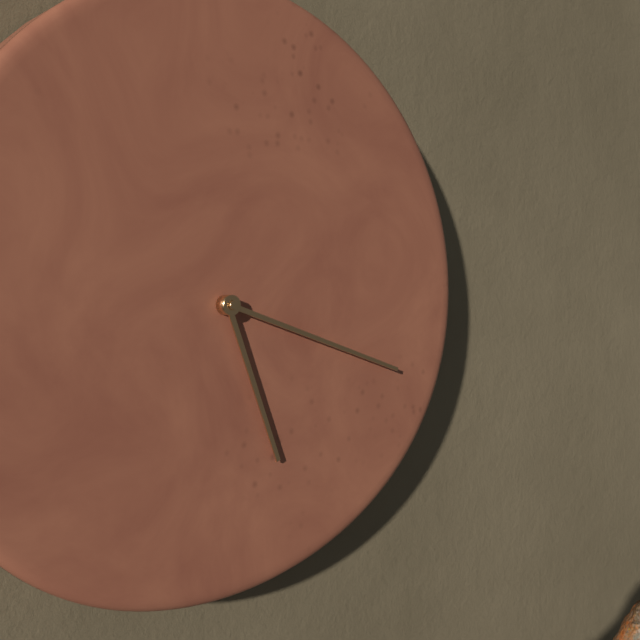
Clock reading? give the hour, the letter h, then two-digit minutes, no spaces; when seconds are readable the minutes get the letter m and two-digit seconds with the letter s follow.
5h18
